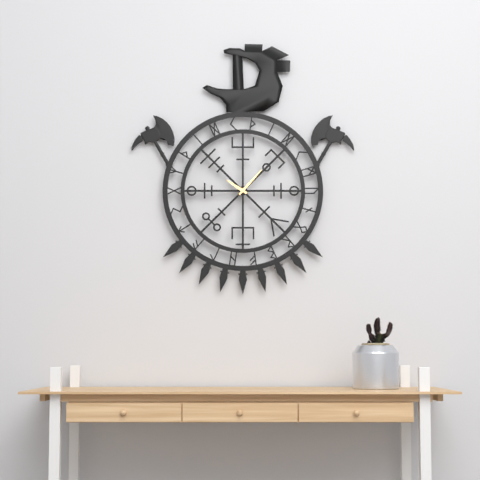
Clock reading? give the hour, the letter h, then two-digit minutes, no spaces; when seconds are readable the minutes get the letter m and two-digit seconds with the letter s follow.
10h07
